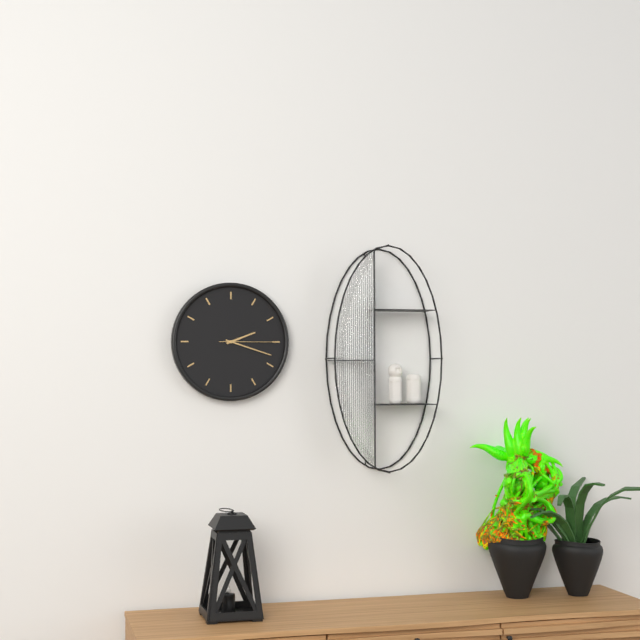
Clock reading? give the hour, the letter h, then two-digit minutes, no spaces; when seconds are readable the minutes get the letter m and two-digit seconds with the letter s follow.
2h18m15s
